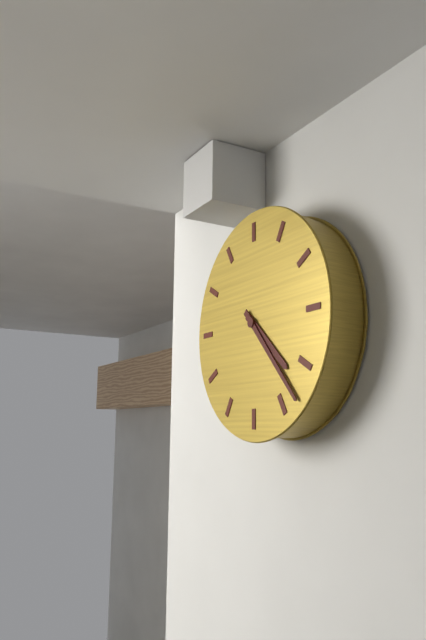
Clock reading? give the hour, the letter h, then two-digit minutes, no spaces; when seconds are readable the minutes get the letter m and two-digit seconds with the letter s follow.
4h23
